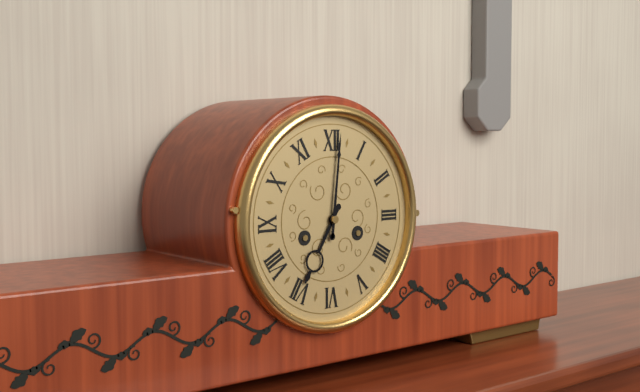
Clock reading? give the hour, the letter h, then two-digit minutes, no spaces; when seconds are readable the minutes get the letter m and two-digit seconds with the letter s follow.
7h01
